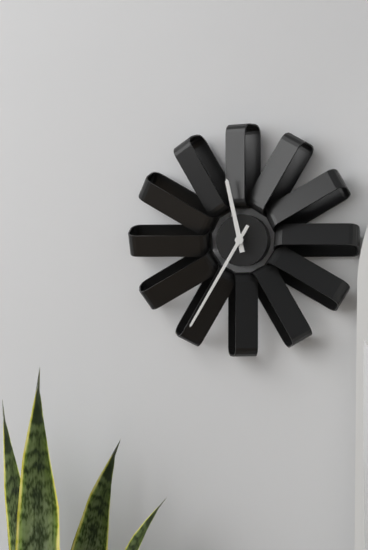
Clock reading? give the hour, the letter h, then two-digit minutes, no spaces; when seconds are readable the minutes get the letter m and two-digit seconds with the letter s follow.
11h35
